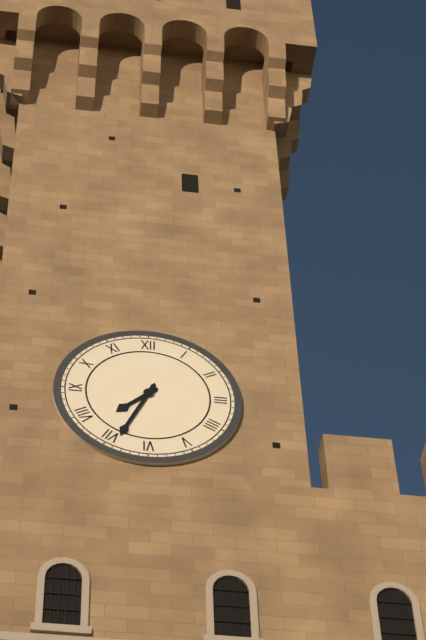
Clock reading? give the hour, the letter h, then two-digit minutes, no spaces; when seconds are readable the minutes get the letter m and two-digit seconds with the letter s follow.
7h34
